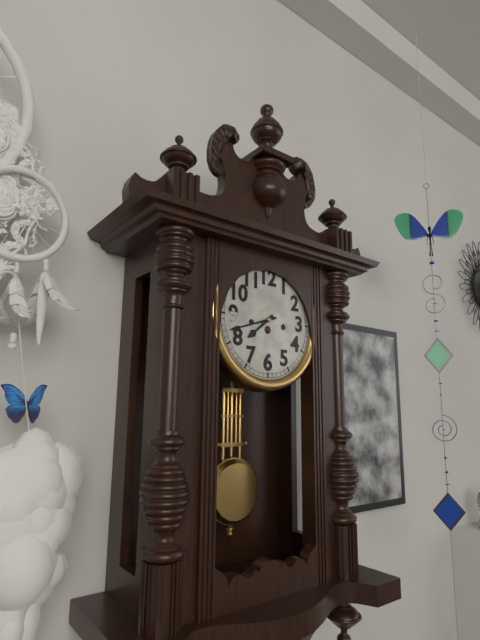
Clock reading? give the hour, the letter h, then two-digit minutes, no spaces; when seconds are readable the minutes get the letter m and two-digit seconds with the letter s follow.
7h42
